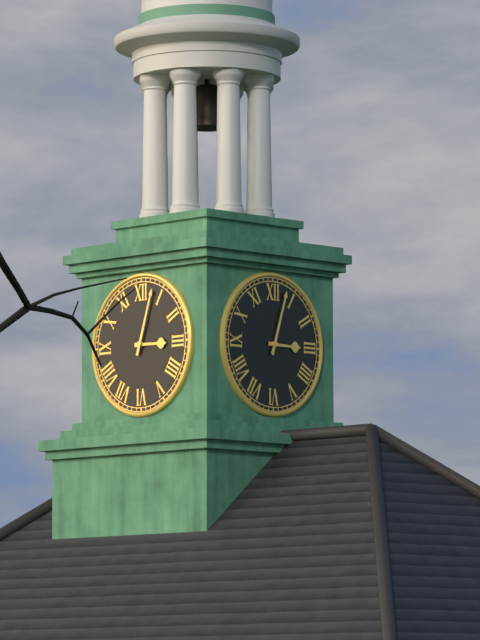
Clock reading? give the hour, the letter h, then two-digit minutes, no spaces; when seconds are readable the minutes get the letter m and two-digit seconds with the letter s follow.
3h03
